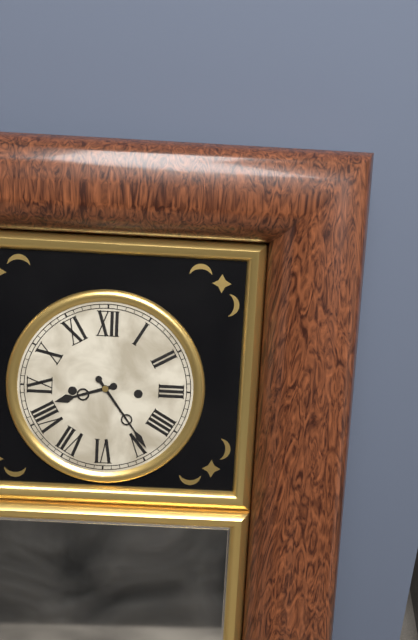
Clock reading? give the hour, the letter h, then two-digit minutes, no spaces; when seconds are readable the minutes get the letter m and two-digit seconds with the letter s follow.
8h24
